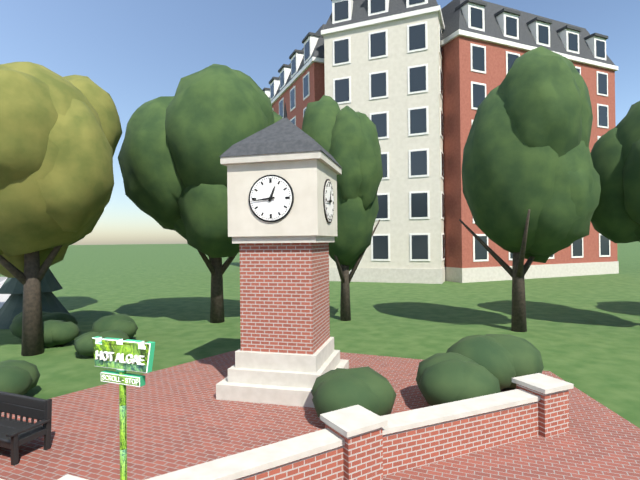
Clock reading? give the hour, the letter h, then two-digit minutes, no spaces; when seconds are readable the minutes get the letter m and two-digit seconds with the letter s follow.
12h44
